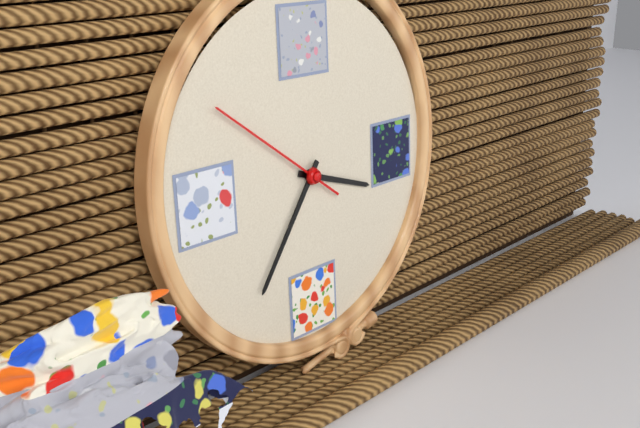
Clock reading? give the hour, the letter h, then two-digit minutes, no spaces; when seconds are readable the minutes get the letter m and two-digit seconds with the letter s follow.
3h36m51s
